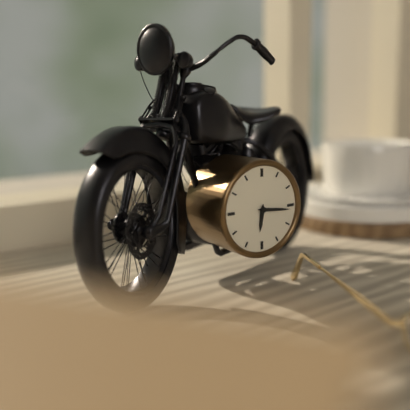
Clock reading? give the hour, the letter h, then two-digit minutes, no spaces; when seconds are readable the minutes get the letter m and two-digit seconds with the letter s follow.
6h16
